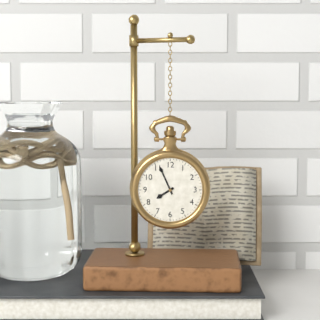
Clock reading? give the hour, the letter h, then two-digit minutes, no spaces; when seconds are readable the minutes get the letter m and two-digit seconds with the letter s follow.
7h56
